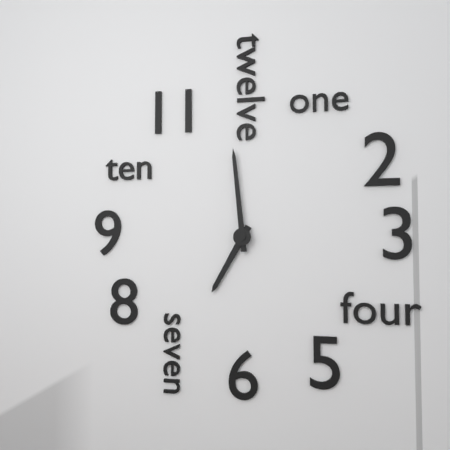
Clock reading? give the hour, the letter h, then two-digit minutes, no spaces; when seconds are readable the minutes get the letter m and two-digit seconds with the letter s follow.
6h59
